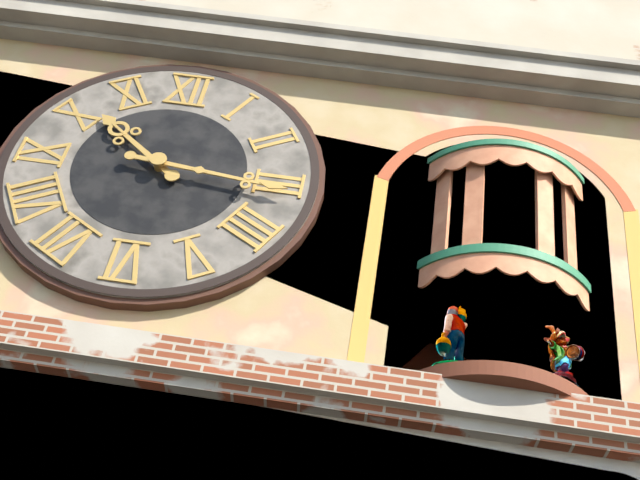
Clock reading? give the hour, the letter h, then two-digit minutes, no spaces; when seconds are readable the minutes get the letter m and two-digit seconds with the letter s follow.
10h16
